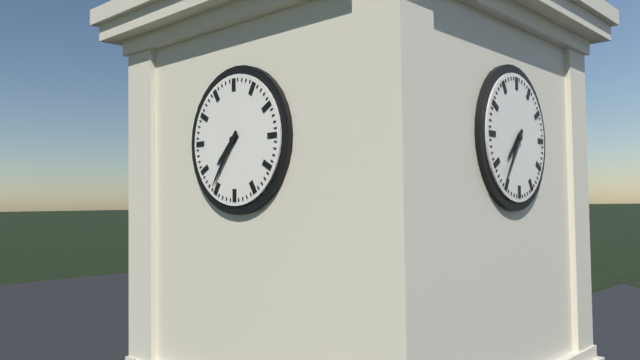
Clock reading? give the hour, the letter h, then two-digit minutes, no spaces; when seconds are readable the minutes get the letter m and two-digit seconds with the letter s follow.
7h36
